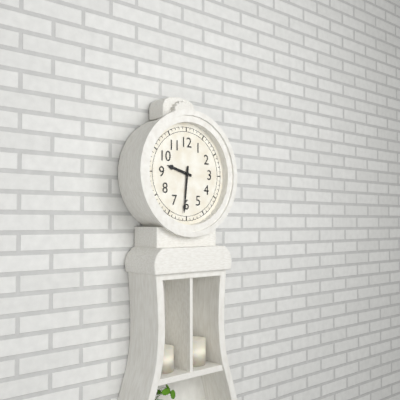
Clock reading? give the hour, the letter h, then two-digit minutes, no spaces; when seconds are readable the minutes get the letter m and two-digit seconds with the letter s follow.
9h31
